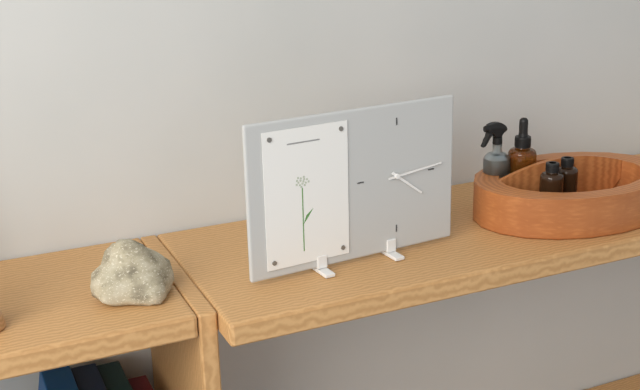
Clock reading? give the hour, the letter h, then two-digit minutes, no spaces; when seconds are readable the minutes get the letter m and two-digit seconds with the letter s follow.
4h14
